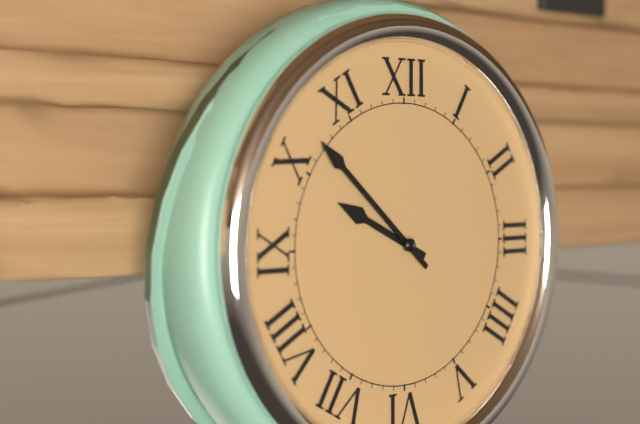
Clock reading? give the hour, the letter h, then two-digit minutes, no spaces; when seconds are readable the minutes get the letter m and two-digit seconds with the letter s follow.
9h52
